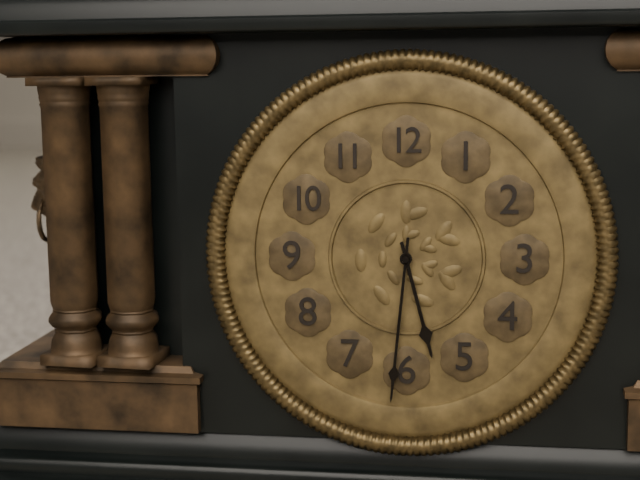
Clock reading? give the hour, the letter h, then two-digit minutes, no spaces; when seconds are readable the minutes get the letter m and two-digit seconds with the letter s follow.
5h31
